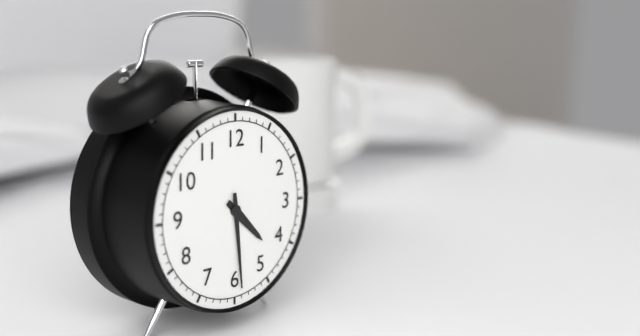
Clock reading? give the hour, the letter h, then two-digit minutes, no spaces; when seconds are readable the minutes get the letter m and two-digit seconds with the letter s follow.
4h29
